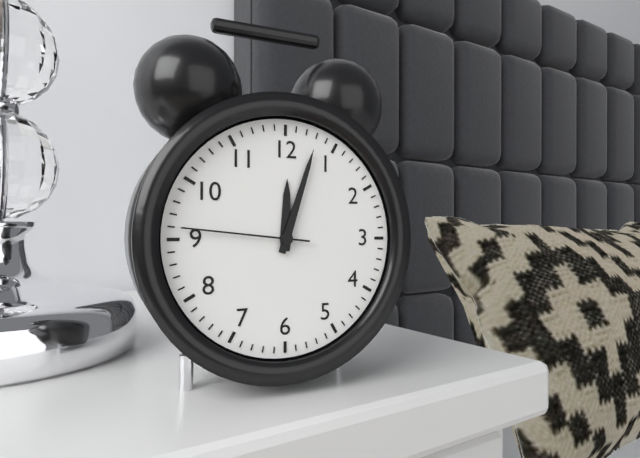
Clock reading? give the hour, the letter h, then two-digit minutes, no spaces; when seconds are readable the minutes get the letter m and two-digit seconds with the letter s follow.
12h03m46s
